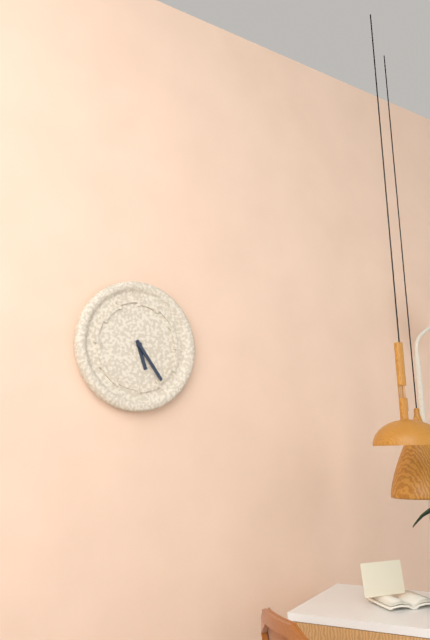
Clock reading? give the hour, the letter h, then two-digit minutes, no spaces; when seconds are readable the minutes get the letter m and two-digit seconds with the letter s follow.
5h24
